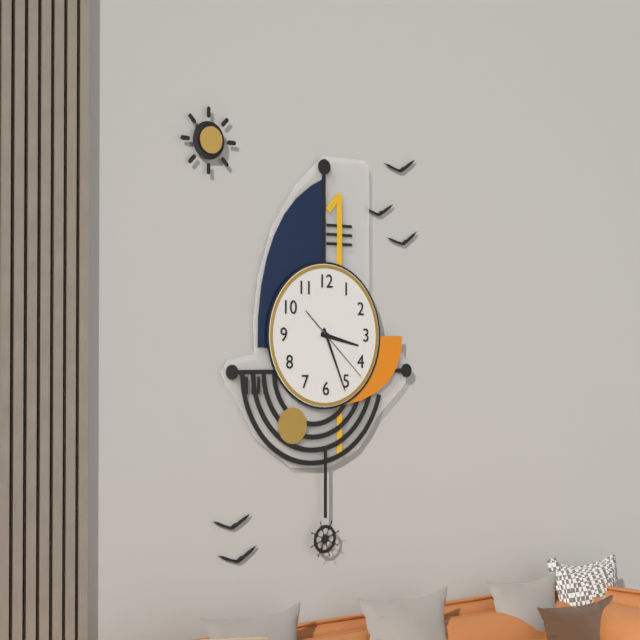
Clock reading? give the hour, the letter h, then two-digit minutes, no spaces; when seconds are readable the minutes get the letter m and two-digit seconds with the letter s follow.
3h26m22s
